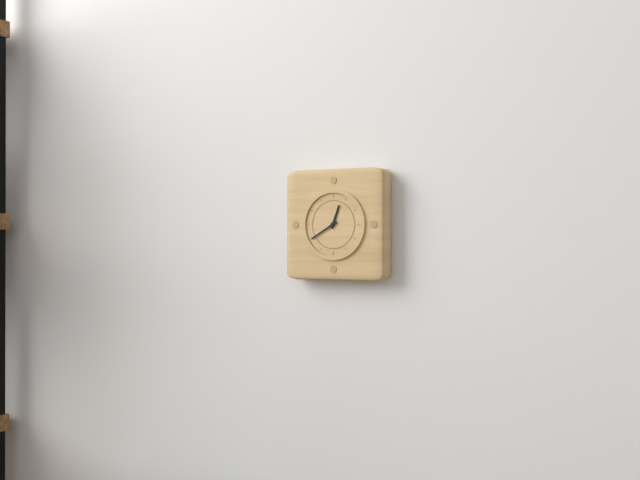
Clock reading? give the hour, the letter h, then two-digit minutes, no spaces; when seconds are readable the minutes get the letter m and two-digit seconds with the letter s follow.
12h40
